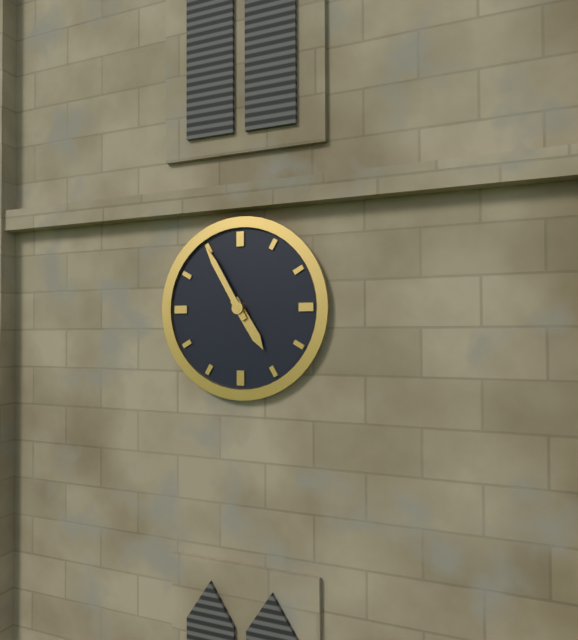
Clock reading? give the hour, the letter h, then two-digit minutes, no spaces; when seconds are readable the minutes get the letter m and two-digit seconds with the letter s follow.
4h55
